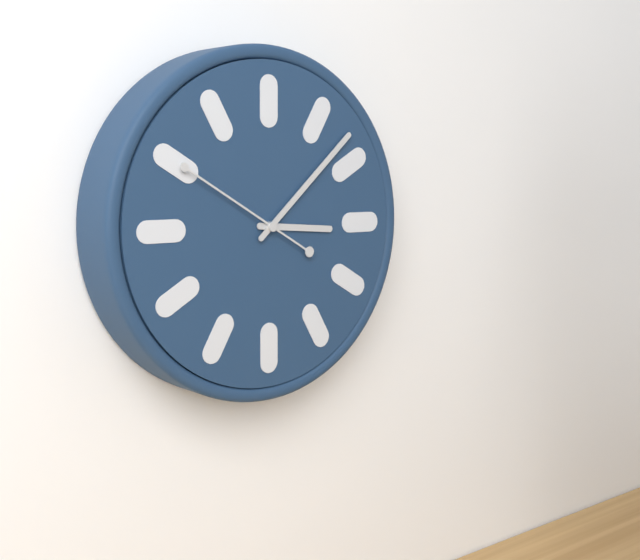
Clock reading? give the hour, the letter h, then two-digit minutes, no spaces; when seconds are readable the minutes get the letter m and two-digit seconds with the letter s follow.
3h08m50s
